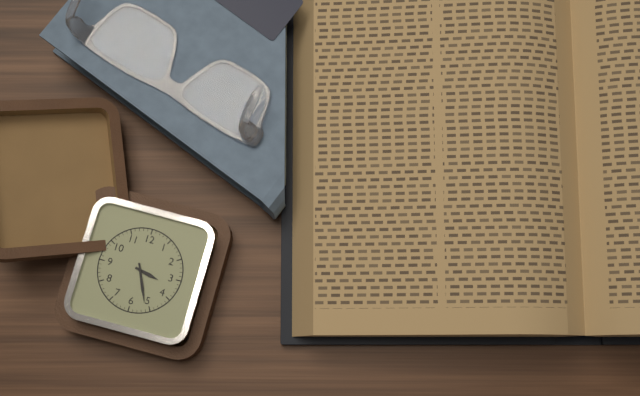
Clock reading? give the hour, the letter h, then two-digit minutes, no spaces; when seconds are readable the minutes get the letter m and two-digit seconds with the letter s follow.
3h26
